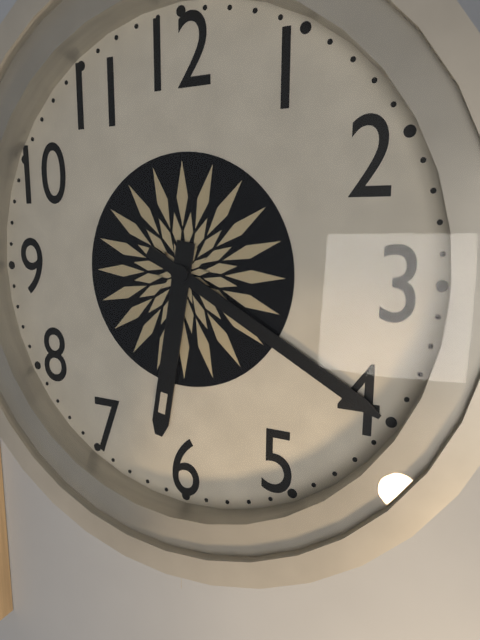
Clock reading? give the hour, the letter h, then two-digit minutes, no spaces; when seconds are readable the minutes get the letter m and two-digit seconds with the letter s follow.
6h20
